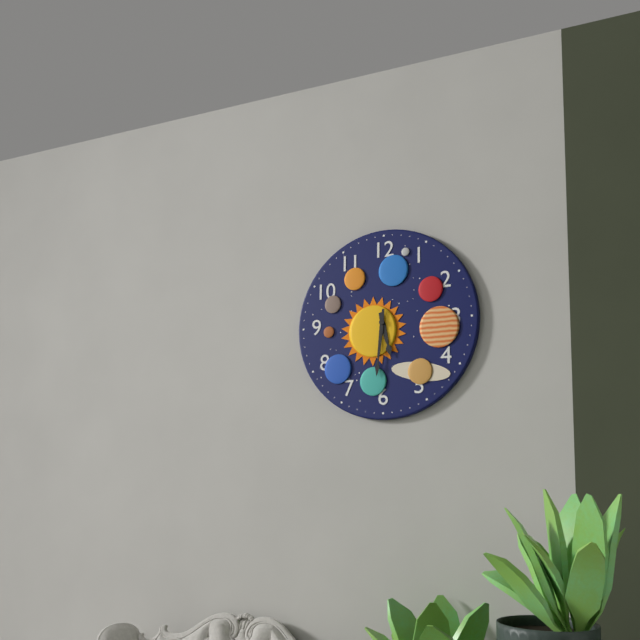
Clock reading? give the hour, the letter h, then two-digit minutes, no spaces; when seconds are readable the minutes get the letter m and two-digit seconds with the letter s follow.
5h31
